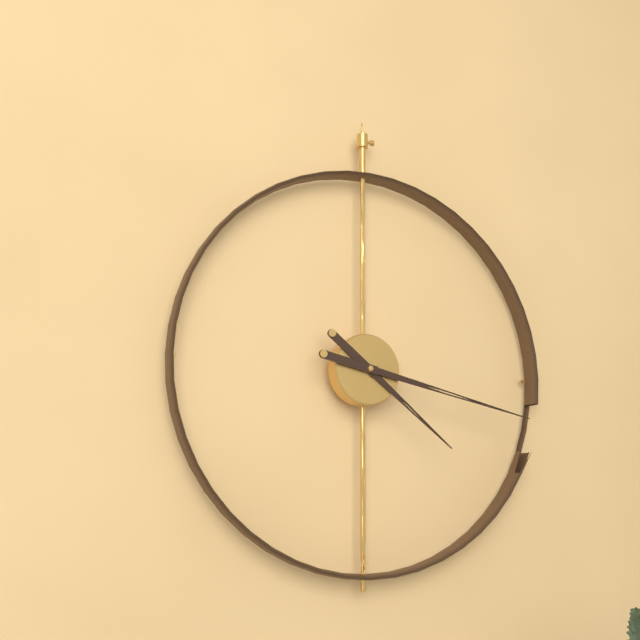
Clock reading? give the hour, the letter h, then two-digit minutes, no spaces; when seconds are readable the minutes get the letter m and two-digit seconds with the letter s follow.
4h17
